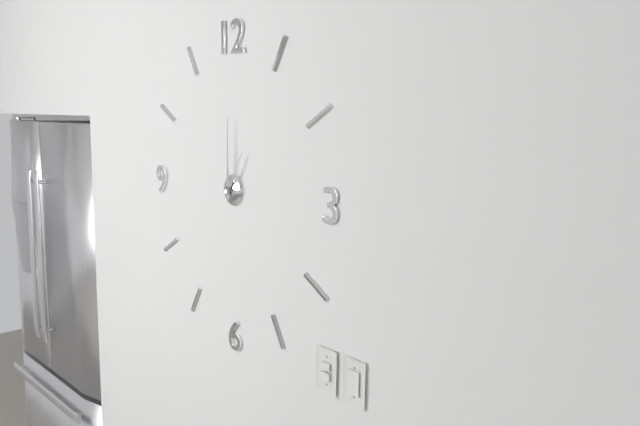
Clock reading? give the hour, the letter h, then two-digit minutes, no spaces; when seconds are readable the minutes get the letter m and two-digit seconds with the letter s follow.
1h00
